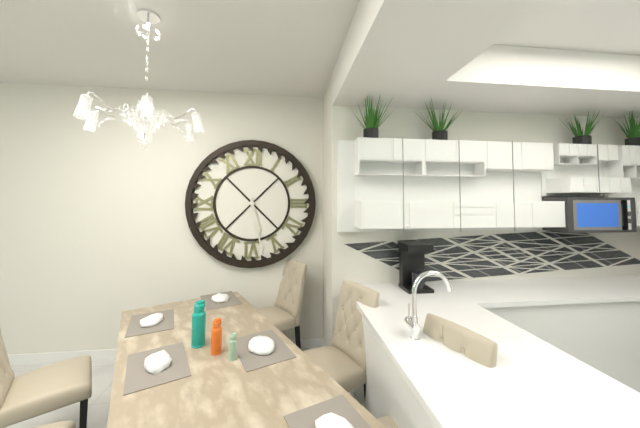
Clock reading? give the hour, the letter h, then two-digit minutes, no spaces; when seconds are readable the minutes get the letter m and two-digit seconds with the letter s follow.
5h28
